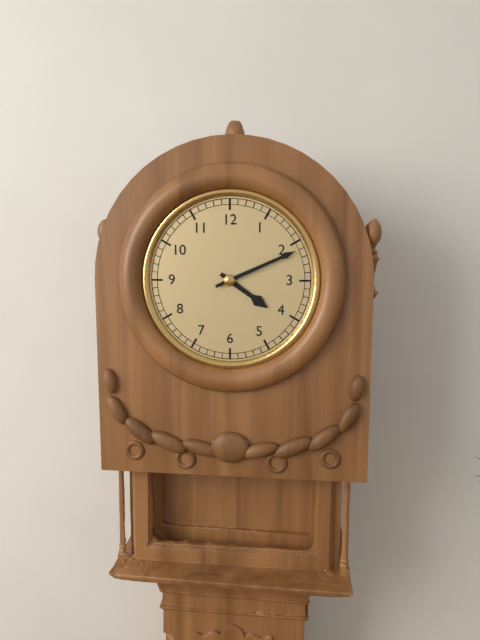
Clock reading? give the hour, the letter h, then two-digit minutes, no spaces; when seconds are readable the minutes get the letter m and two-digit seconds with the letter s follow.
4h11
